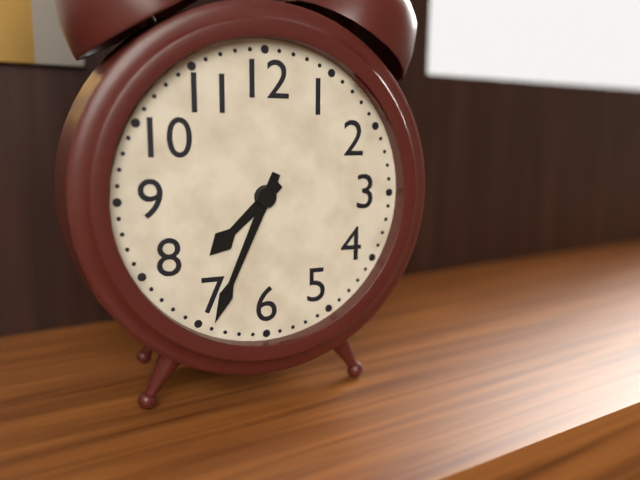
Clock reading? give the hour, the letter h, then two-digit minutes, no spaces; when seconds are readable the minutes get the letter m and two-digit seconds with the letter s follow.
7h34
